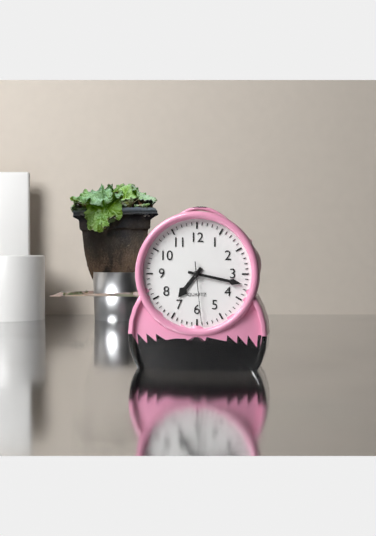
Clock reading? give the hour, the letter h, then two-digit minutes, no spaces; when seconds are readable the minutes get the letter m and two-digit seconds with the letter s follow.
7h17m29s
